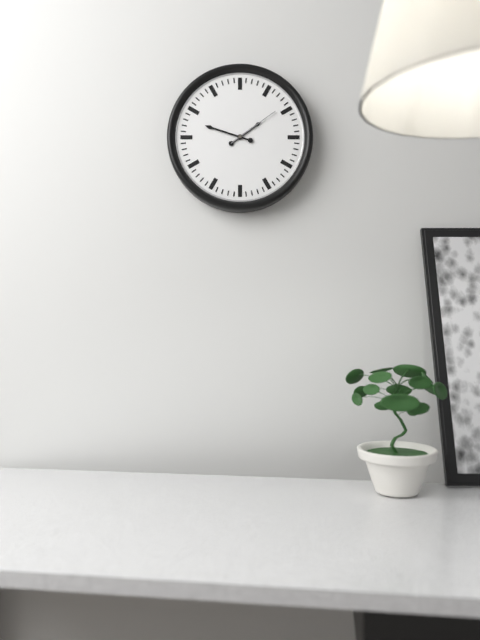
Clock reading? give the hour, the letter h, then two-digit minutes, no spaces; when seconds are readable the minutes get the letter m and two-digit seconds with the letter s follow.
1h48m09s
